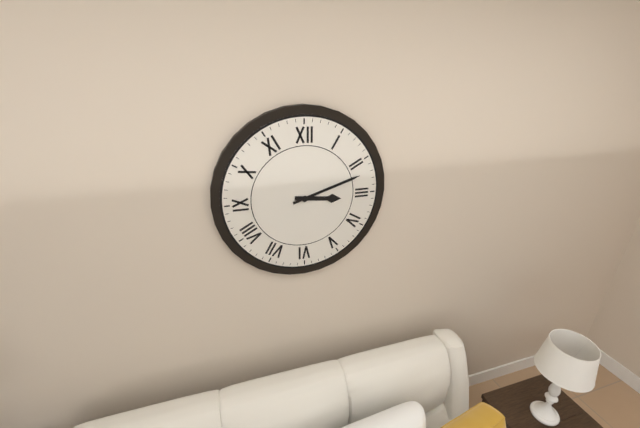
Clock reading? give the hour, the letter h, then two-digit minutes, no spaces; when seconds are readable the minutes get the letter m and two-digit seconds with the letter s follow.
3h12
